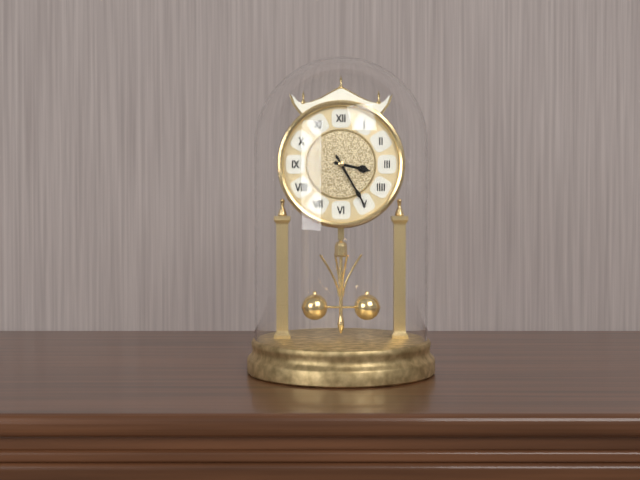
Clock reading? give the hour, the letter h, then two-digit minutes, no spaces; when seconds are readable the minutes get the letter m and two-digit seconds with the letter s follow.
3h25
